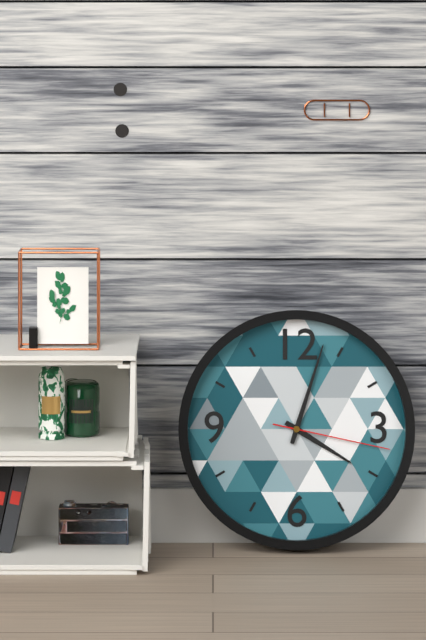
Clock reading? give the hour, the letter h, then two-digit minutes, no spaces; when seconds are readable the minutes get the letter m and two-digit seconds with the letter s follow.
4h03m17s
